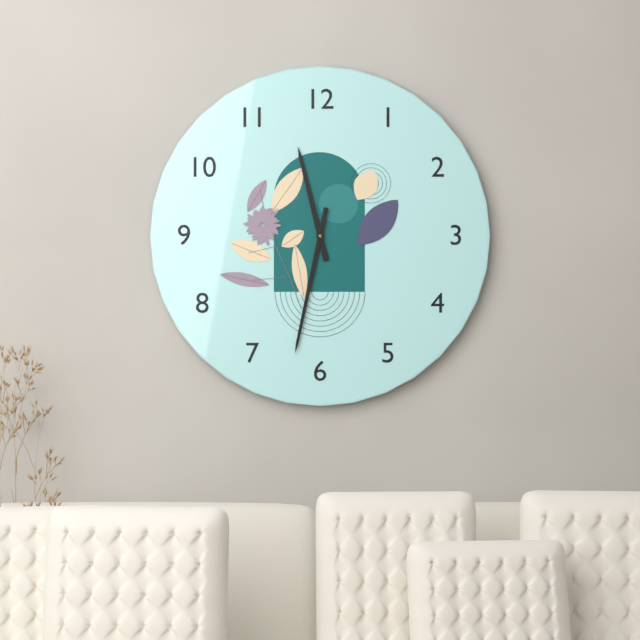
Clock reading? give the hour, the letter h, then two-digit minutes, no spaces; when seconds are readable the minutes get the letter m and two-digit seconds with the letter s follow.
11h32
